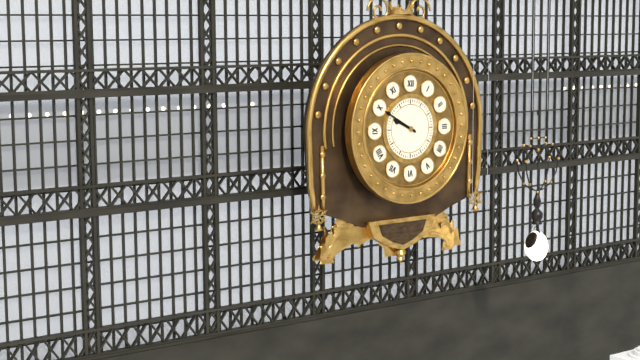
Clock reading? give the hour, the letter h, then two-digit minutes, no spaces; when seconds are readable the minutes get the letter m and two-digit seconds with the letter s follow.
9h50
